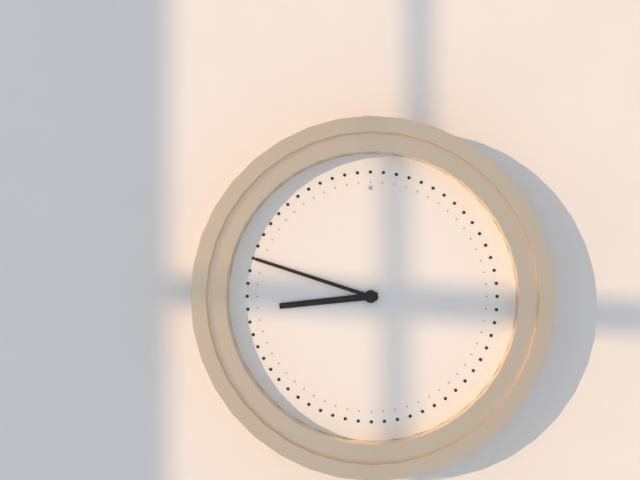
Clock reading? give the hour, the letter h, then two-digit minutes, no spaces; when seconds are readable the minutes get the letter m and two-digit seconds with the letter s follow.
8h48
